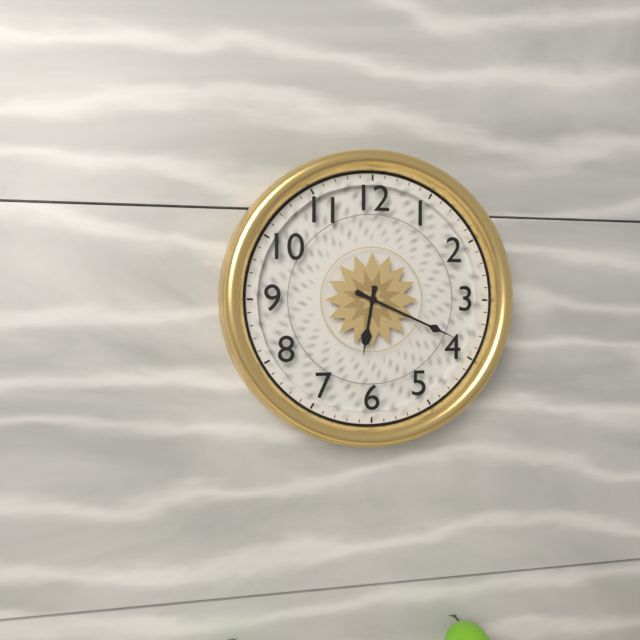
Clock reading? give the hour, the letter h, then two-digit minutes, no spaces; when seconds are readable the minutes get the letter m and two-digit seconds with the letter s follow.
6h19
